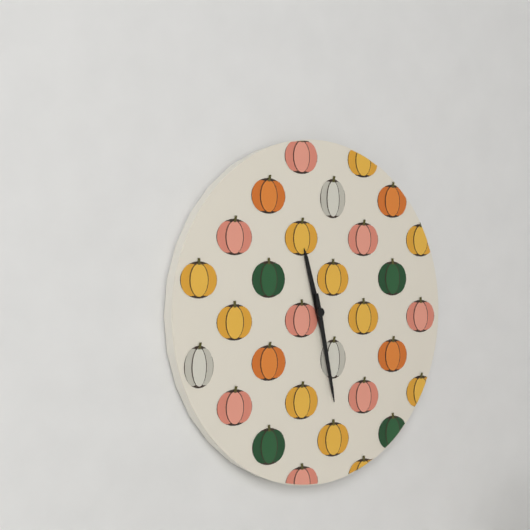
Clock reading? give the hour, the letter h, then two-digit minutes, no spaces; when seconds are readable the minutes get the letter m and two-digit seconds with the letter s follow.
11h28
